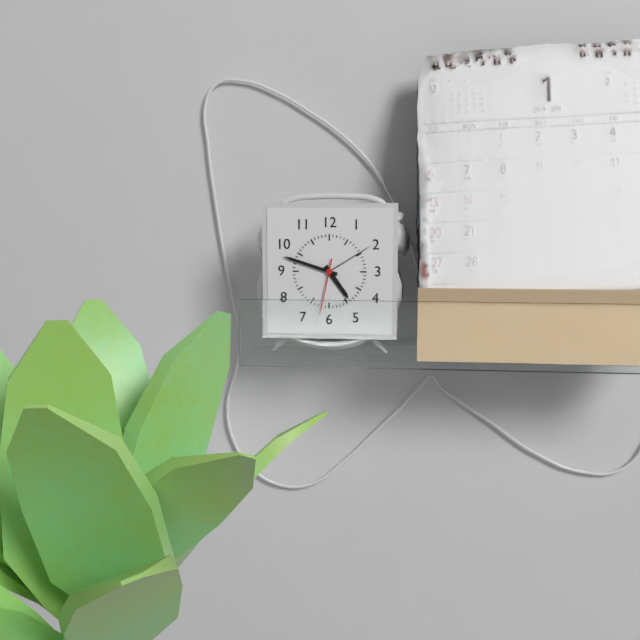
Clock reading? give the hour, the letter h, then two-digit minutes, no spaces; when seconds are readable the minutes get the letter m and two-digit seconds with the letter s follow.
4h48m32s
